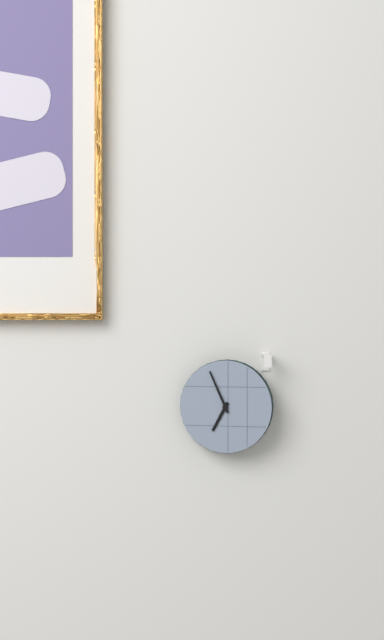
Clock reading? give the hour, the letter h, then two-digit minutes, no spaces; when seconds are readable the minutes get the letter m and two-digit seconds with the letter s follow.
6h56
